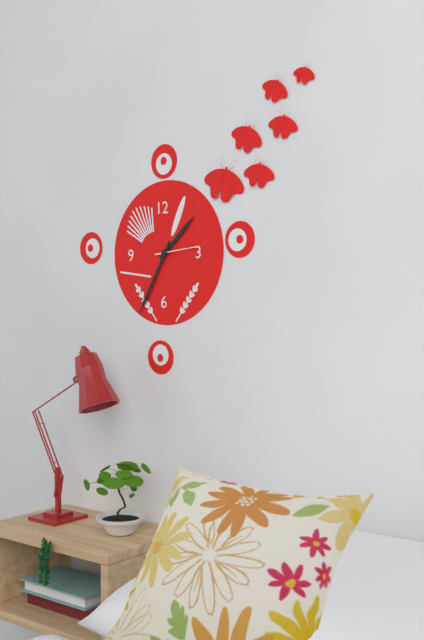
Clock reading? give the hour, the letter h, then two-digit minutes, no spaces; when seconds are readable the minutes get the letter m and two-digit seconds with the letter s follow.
1h35
